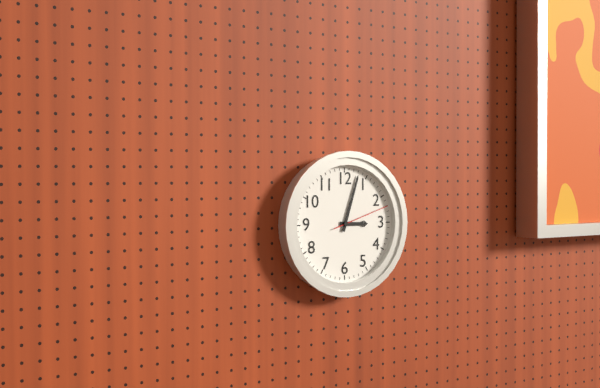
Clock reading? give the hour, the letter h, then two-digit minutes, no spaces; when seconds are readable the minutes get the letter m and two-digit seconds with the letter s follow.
3h03m12s
